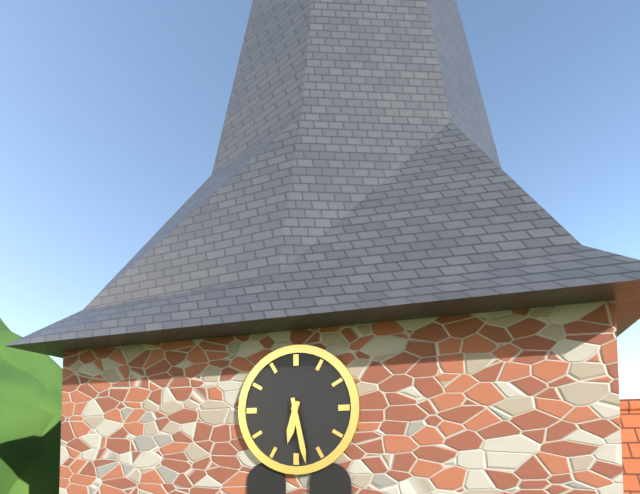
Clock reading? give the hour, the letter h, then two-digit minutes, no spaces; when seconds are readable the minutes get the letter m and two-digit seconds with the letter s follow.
6h28
